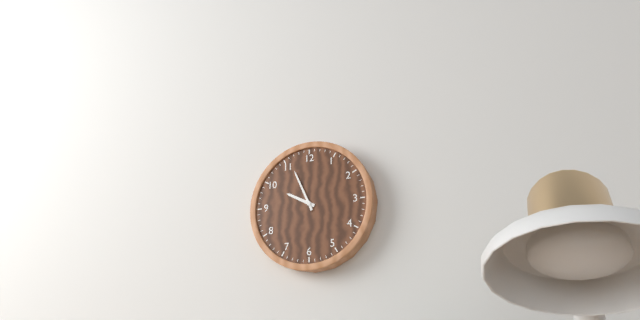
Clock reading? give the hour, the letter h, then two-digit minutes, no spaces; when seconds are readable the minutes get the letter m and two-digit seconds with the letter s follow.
9h56
